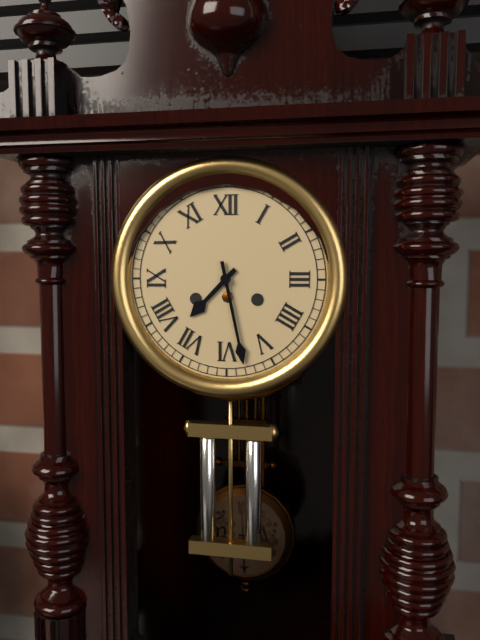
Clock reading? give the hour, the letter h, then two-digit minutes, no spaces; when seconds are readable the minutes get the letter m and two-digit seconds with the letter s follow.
7h28
